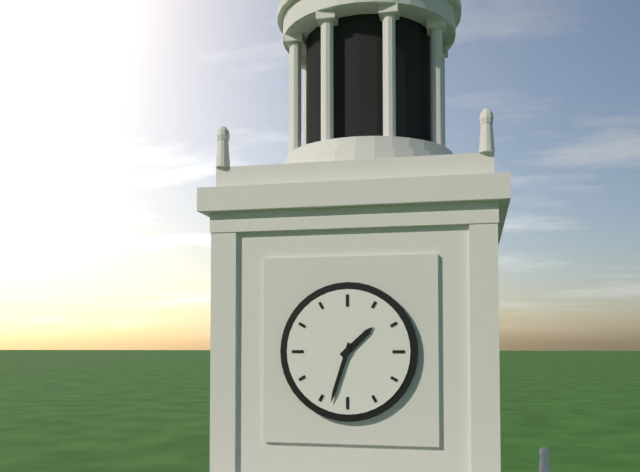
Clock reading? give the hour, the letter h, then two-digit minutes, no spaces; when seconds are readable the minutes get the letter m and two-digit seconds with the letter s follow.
1h33
